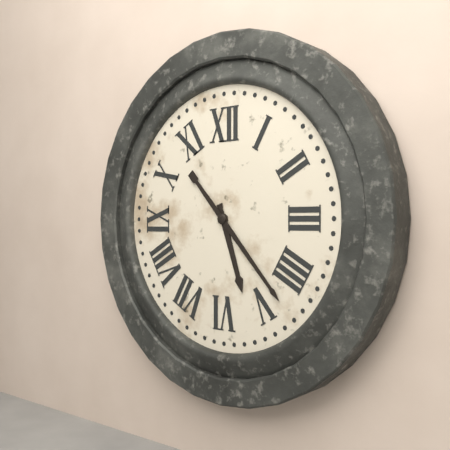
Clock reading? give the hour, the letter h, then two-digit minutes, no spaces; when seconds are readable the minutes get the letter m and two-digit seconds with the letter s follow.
5h23
